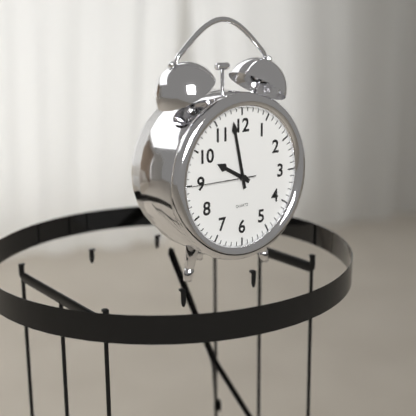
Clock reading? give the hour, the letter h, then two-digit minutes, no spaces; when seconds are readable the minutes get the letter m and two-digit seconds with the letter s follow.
9h58m45s
